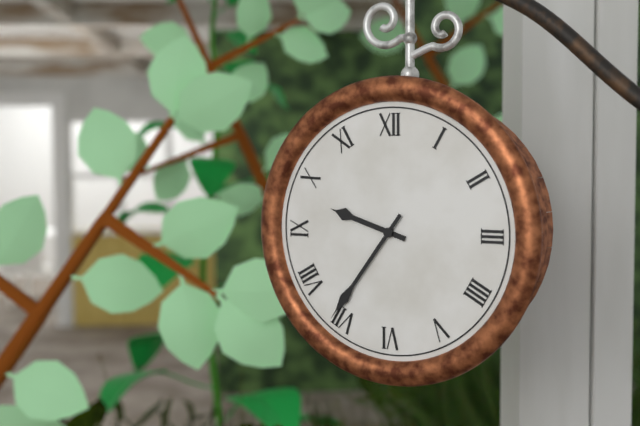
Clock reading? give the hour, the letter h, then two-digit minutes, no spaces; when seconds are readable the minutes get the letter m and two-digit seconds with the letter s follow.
9h36
